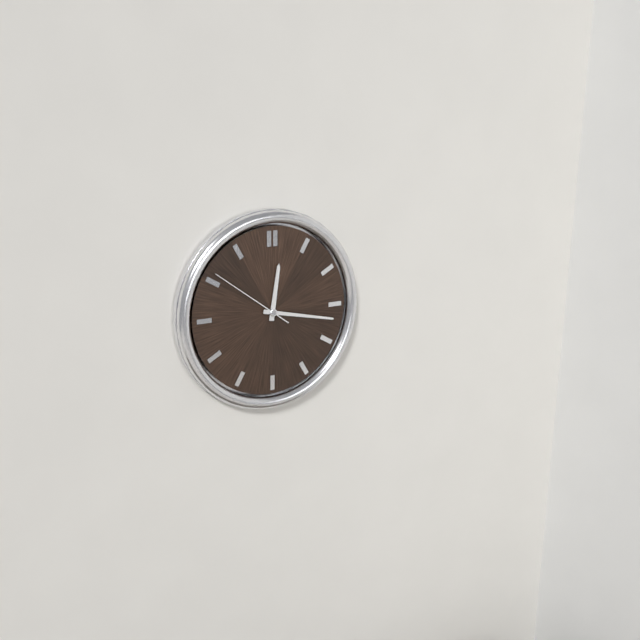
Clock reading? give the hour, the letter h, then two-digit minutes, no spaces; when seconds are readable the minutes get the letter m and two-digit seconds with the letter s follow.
12h17m51s
